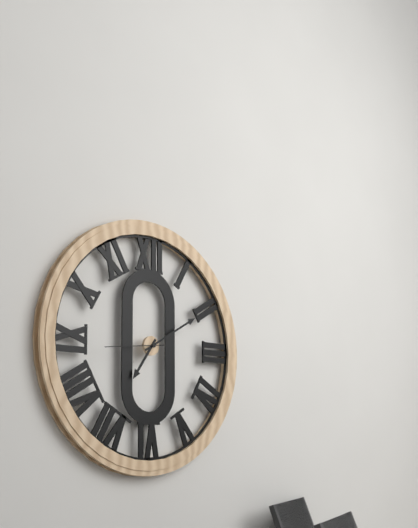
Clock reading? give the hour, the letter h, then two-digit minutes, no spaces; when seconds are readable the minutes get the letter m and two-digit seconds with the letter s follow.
7h10m44s
